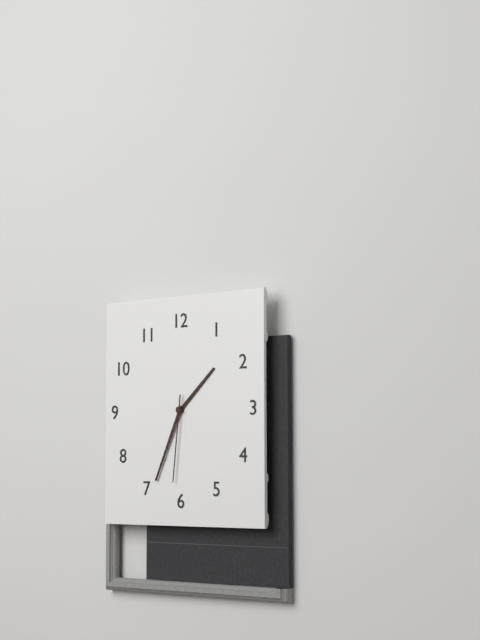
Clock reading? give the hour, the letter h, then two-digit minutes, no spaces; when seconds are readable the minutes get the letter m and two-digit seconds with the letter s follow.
1h34m31s
